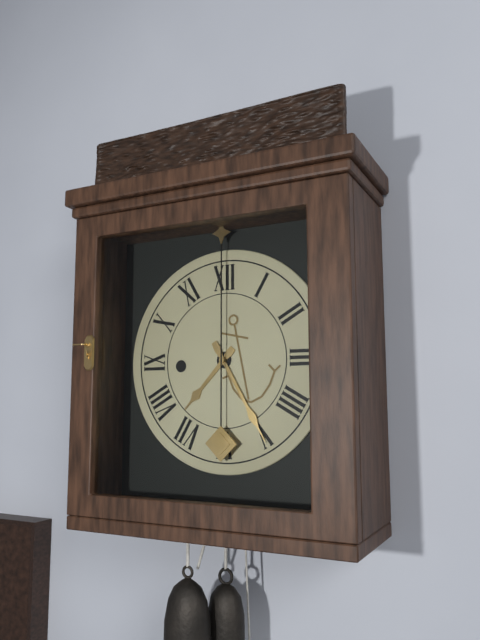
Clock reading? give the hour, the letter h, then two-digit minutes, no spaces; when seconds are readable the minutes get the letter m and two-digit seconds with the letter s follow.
7h25
